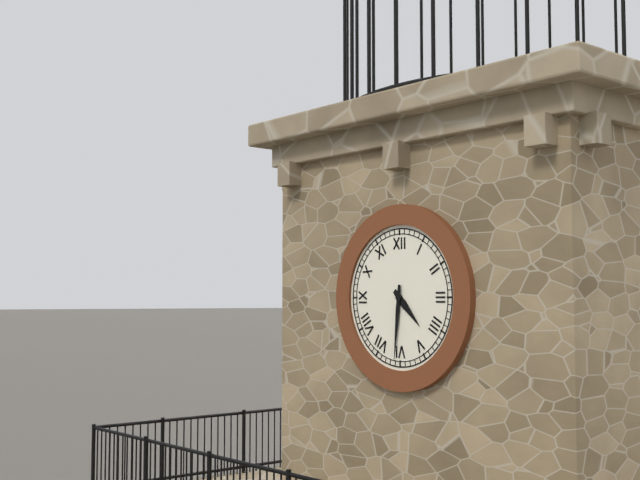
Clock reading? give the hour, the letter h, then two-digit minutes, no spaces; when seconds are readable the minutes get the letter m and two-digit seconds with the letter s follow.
4h31
